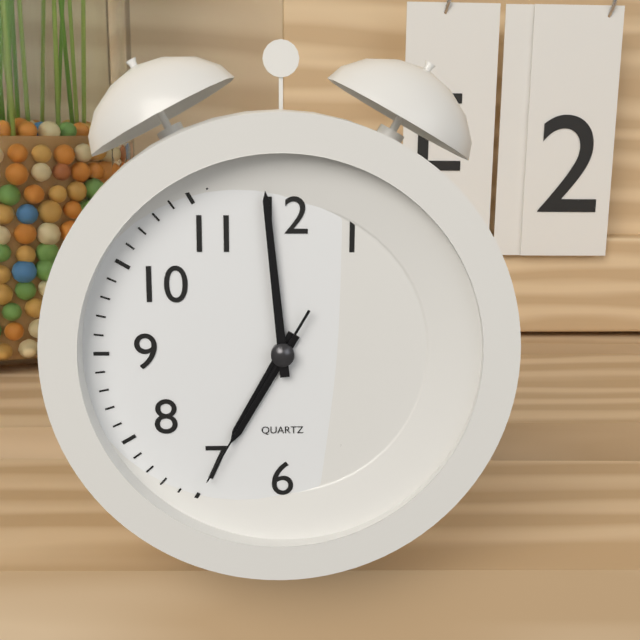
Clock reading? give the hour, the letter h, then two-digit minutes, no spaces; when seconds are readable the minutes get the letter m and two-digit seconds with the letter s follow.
6h59m35s
